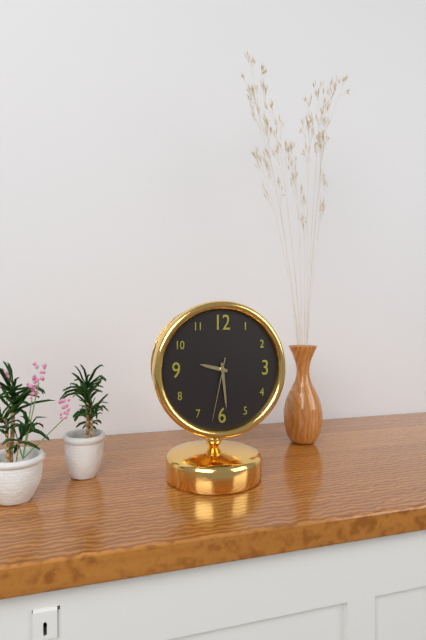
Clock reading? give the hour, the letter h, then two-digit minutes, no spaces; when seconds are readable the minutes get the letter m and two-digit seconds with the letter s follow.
9h29m32s
